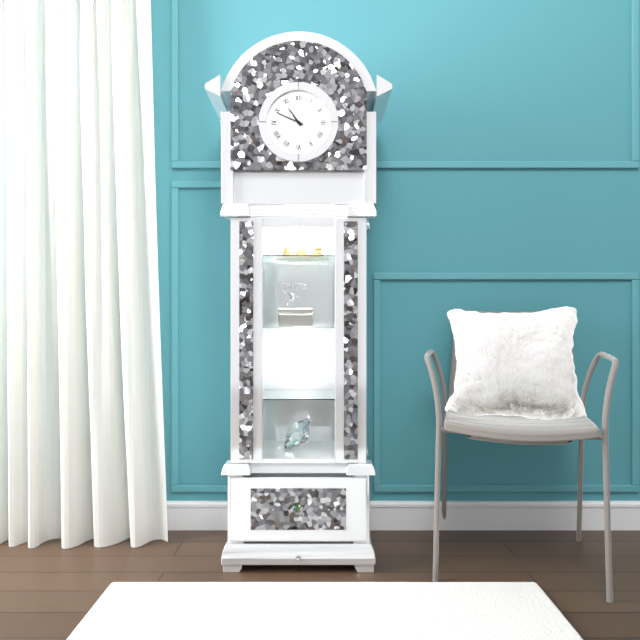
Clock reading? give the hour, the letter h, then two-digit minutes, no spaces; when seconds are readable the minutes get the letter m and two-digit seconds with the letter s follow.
10h49
